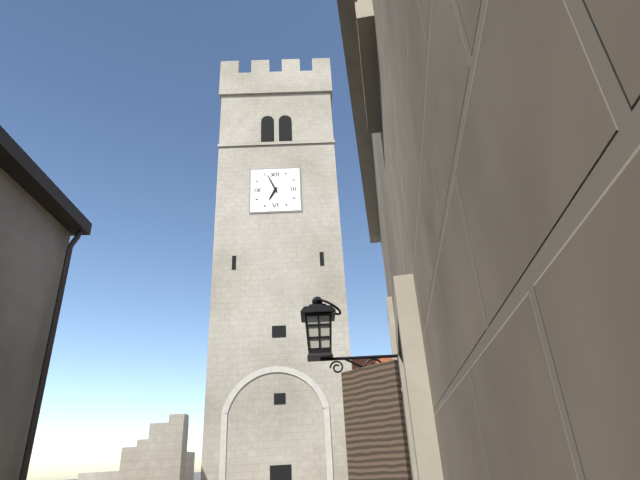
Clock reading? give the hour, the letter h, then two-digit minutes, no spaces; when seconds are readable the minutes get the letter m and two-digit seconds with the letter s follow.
6h56
